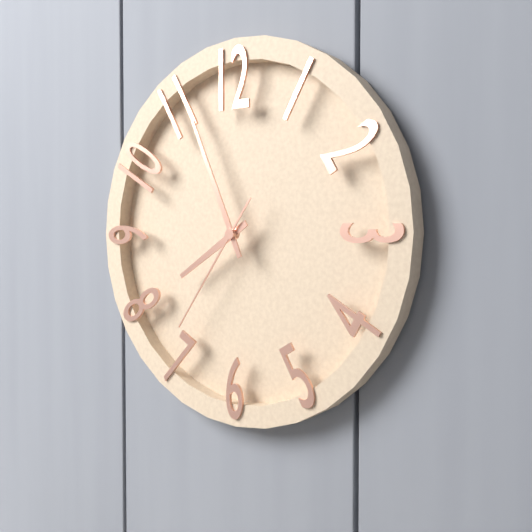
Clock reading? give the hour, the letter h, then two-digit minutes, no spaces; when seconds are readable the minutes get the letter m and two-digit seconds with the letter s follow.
7h56m36s
